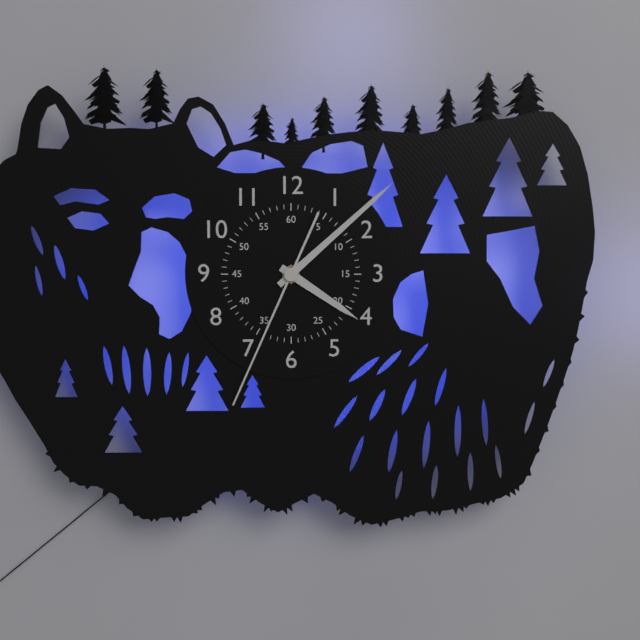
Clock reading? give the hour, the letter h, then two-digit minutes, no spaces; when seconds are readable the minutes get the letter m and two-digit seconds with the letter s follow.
4h08m34s
